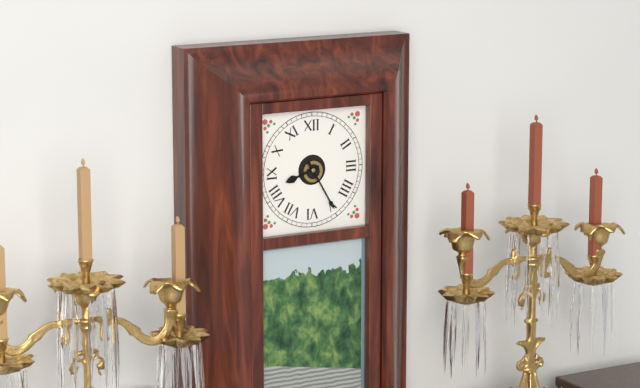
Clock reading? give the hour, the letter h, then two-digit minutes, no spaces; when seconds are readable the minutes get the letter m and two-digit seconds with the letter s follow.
8h25
